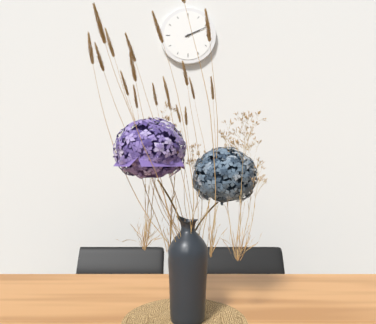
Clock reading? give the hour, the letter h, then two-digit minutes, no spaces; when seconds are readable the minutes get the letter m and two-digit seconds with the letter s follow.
2h11
